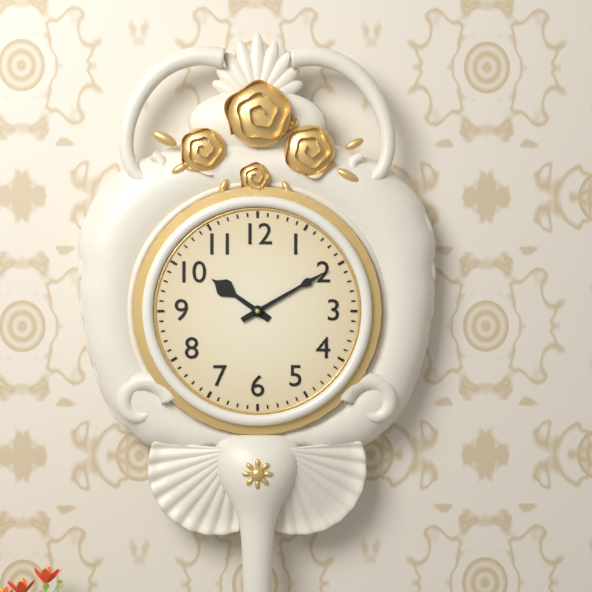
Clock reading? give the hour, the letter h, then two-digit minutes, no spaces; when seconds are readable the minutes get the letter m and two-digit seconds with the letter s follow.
10h10
